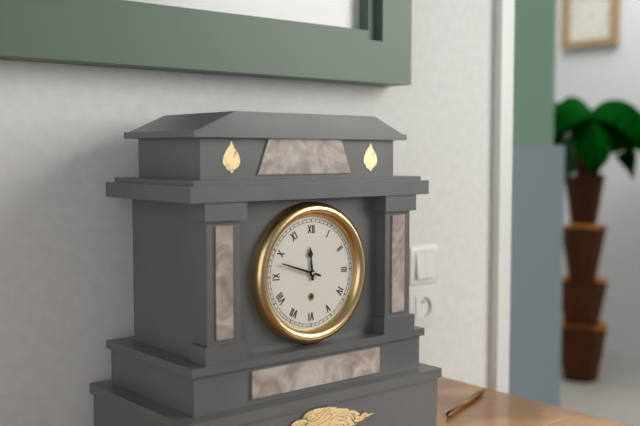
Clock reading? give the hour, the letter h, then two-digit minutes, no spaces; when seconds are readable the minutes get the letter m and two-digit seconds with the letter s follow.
11h48
